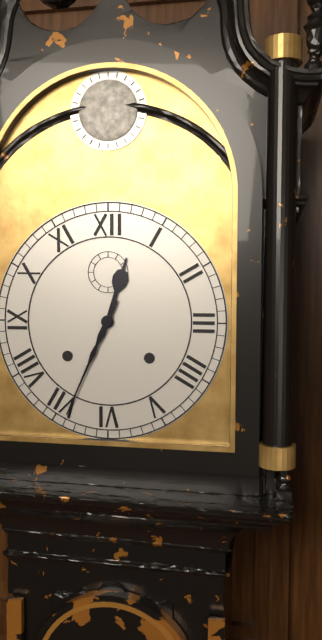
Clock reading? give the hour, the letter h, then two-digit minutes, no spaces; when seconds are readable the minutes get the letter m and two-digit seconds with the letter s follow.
12h34
